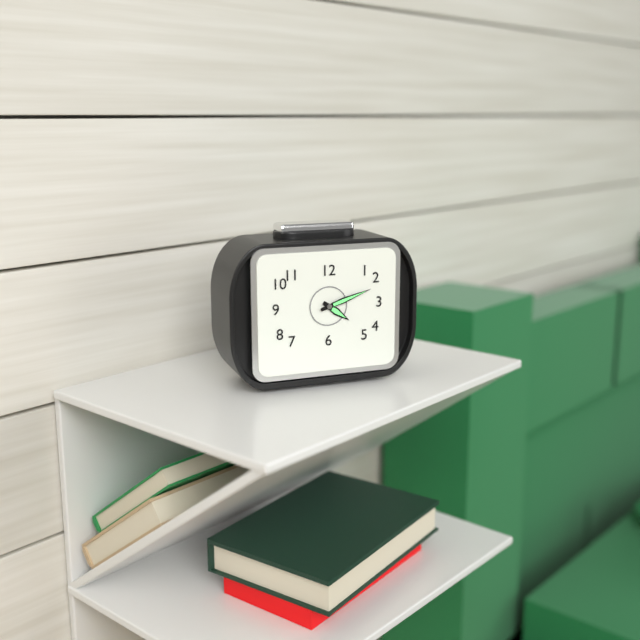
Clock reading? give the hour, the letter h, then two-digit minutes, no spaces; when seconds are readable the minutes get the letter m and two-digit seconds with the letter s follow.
4h12
